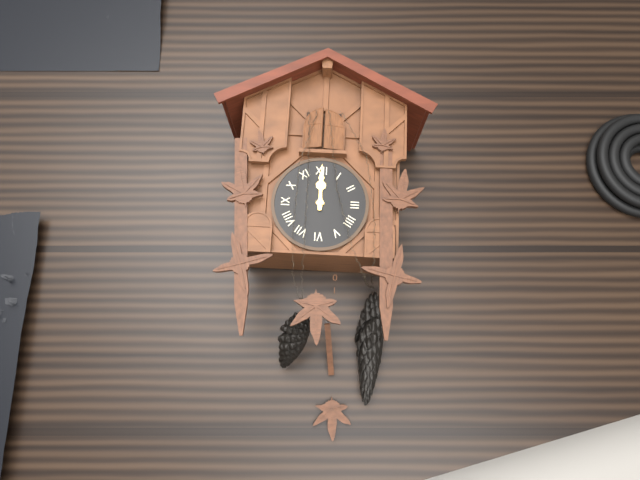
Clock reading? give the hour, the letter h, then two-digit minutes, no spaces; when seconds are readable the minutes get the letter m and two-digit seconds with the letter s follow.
12h00
